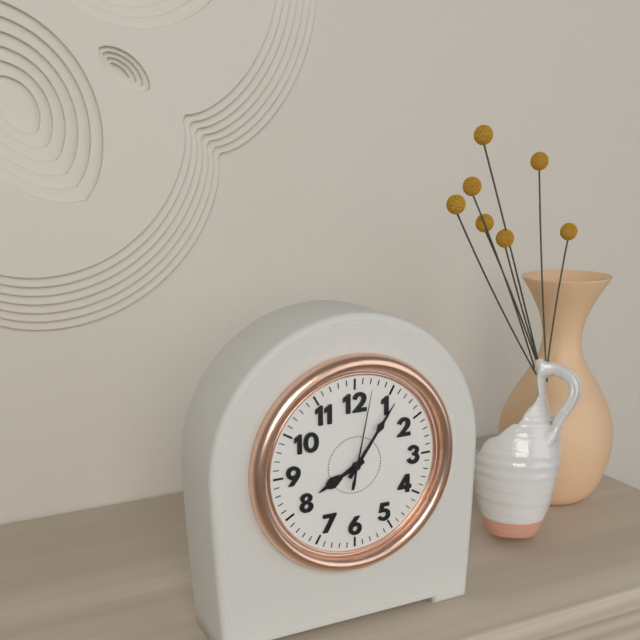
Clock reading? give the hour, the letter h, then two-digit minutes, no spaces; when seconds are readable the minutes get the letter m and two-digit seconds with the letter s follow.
8h06m02s
